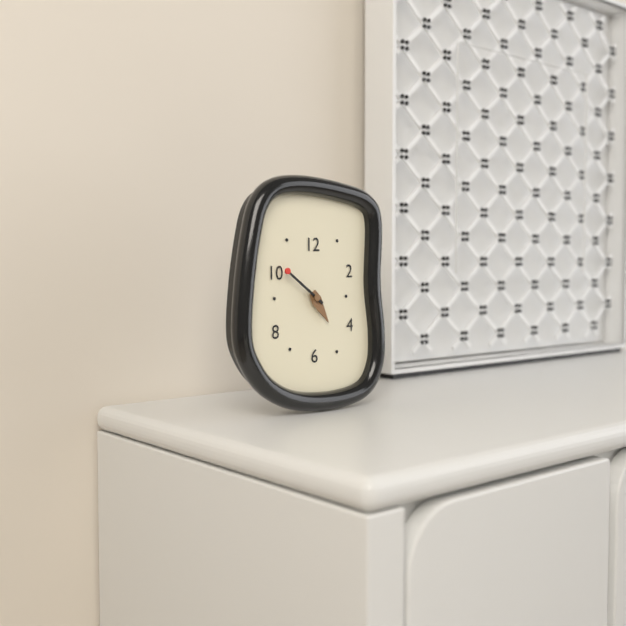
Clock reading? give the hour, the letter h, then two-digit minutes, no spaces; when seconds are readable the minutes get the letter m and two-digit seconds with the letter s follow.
4h51
